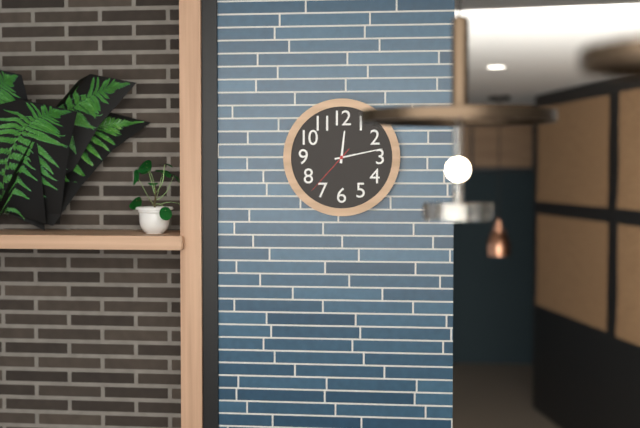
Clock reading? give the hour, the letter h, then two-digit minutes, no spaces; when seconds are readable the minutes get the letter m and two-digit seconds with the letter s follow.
12h13m37s
